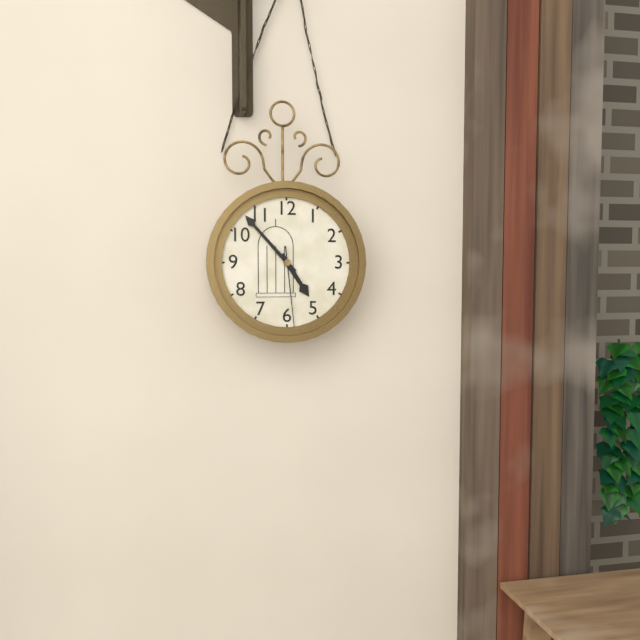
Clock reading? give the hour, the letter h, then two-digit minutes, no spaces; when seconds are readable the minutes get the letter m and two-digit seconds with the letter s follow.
4h53m29s
